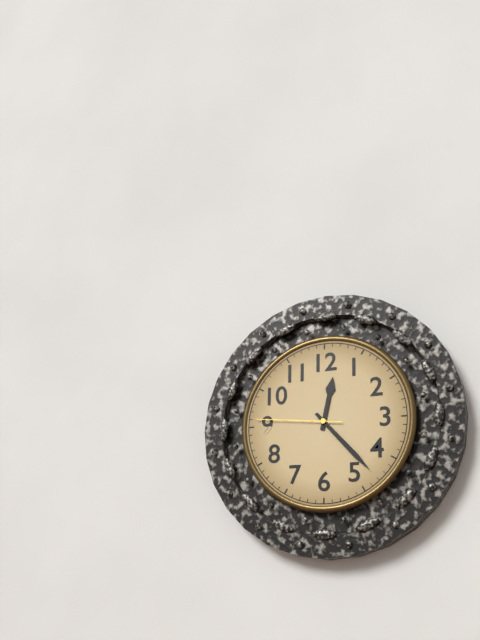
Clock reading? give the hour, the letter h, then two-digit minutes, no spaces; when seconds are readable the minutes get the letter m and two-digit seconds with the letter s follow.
12h23m46s
